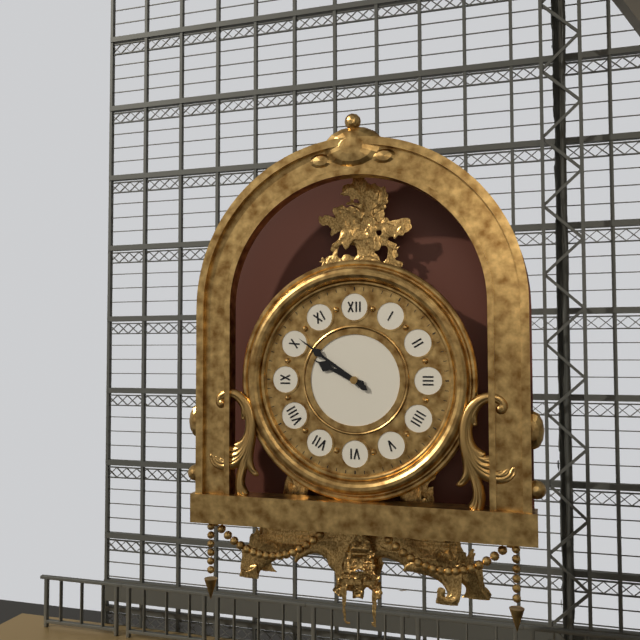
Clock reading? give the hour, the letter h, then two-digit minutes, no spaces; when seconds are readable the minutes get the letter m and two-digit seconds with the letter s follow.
9h51
